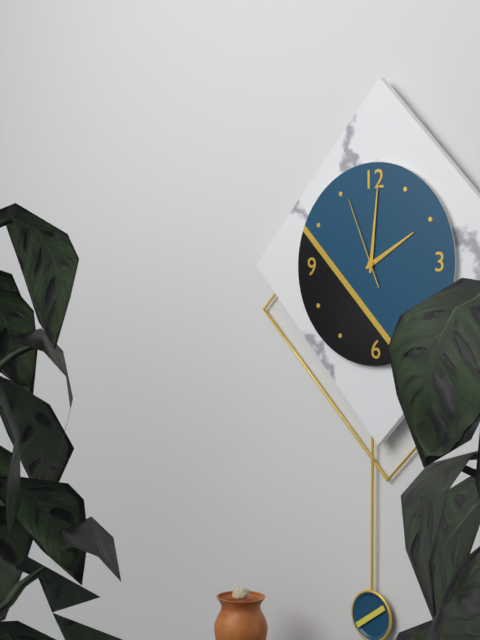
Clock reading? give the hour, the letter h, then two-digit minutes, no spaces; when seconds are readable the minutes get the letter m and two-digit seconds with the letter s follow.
2h01m56s
